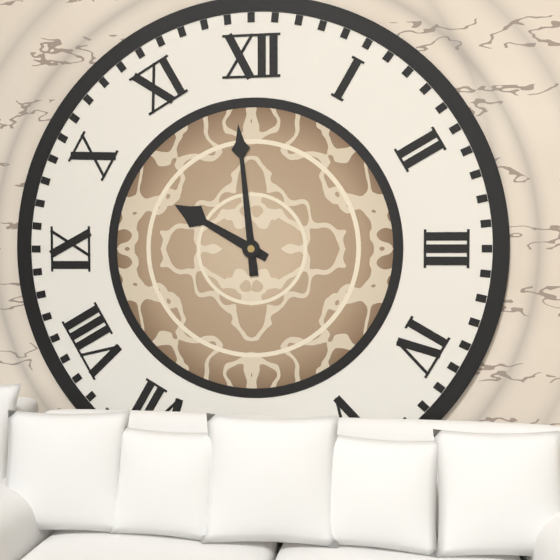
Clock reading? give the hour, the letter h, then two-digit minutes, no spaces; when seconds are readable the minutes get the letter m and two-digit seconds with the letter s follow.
9h59
